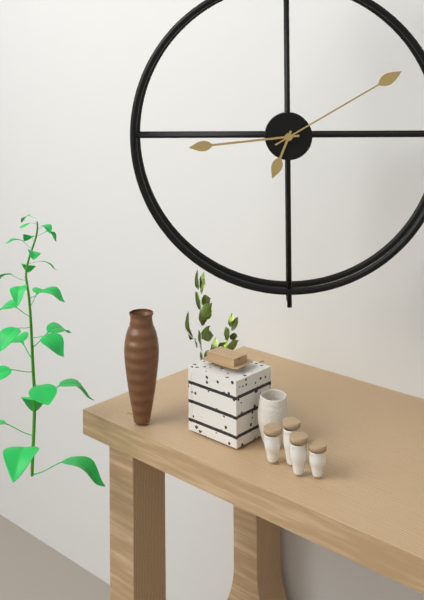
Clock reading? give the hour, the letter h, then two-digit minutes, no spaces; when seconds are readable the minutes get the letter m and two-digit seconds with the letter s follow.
6h44m10s
